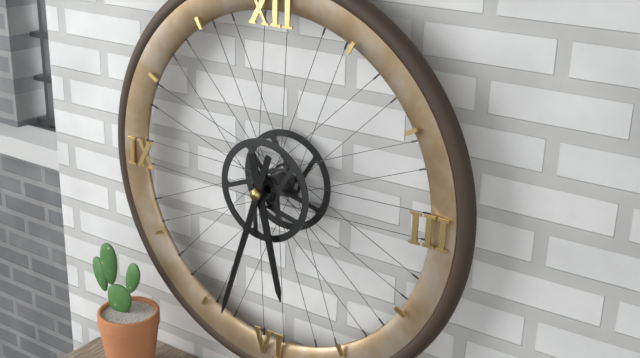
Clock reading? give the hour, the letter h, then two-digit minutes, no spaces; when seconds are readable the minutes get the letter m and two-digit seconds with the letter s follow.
5h33
